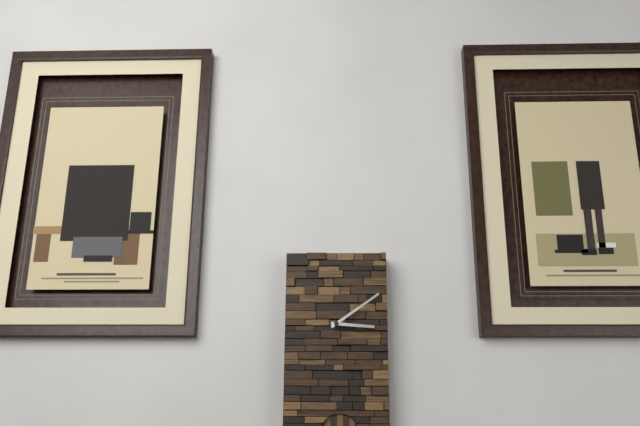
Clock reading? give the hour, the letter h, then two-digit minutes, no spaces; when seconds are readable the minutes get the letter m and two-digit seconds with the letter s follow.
3h09
